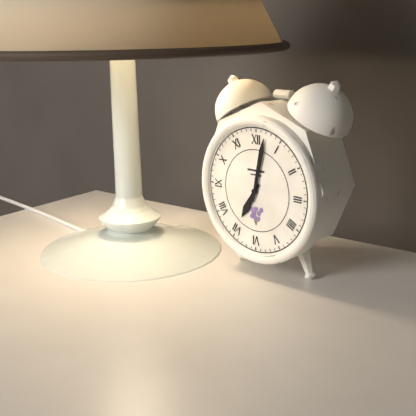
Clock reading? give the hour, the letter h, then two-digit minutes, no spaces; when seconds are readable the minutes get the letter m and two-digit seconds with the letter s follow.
7h02
